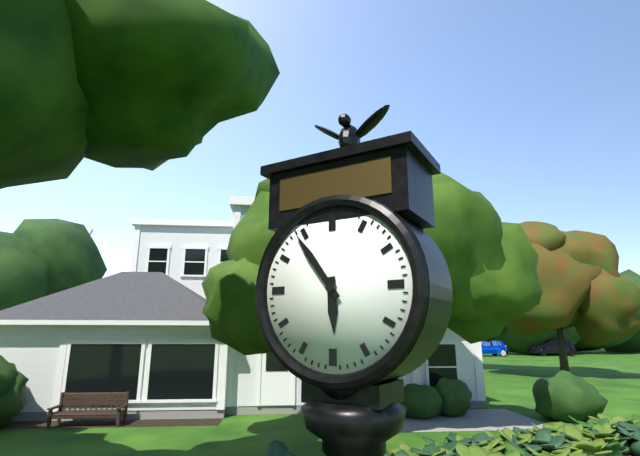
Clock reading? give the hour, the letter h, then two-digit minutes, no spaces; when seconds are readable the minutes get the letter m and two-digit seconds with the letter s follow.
5h54
